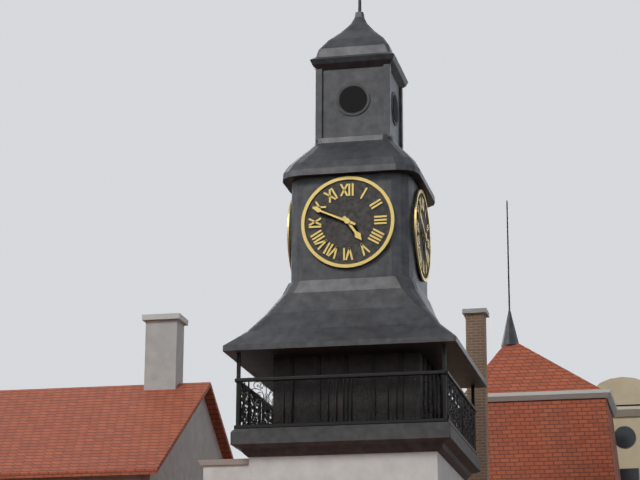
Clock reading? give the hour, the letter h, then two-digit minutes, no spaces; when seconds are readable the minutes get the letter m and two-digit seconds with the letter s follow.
4h49
